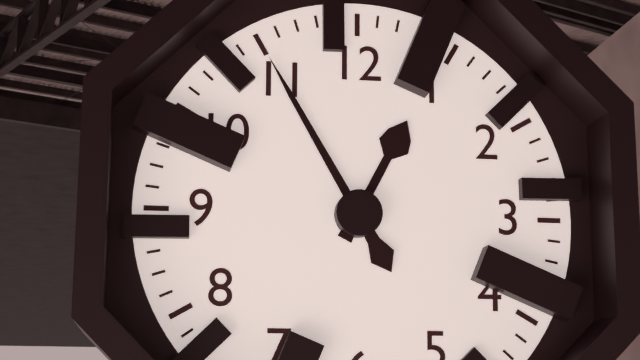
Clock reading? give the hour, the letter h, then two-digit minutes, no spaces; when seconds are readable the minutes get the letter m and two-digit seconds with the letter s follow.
12h55
